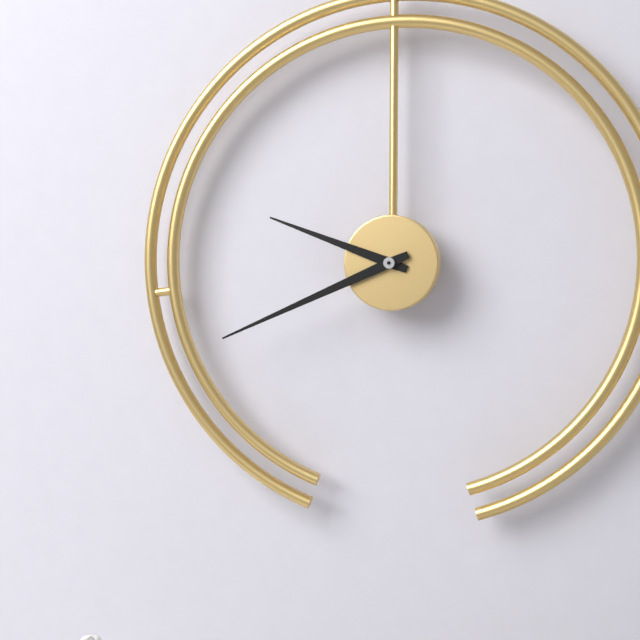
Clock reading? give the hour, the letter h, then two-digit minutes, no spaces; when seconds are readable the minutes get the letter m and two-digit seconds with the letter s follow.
9h41
